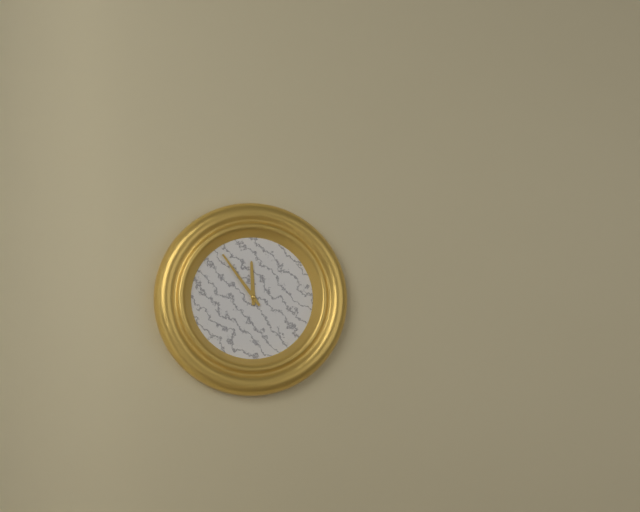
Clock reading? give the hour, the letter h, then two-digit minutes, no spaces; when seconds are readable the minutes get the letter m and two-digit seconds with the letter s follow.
11h54
